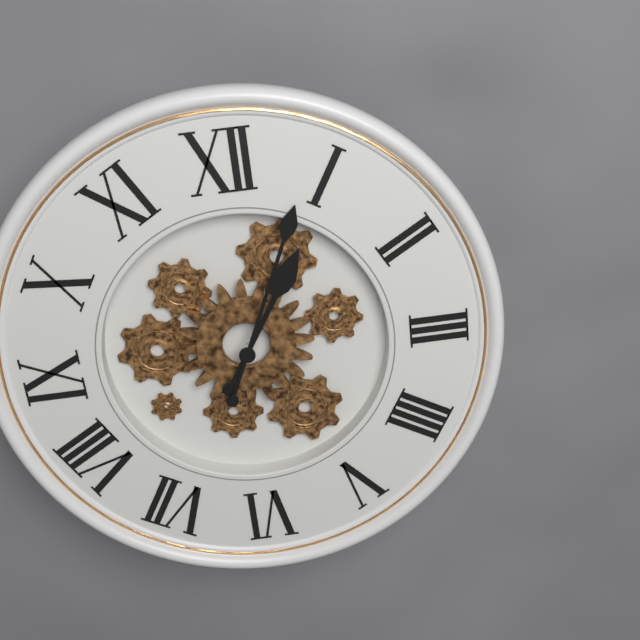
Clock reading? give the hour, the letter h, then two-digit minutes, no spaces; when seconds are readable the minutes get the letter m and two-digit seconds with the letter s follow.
1h04
